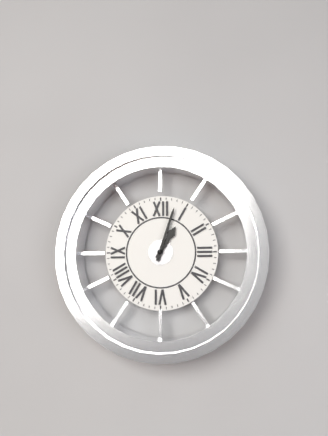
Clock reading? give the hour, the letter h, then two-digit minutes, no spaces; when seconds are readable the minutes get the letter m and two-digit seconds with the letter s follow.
1h03
